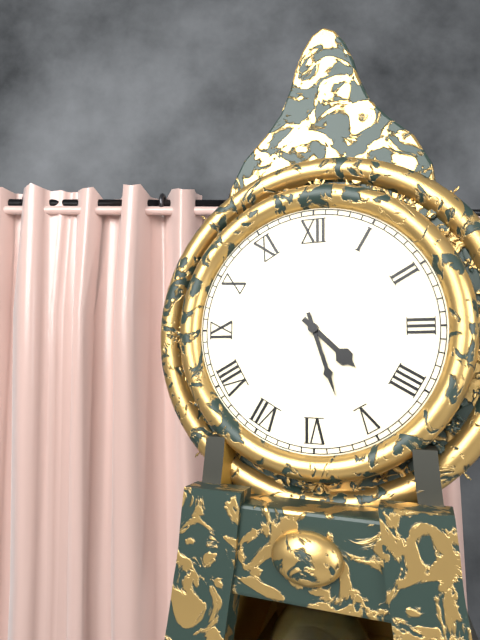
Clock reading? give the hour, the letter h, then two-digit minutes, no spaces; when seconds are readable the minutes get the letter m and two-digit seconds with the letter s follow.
4h27
